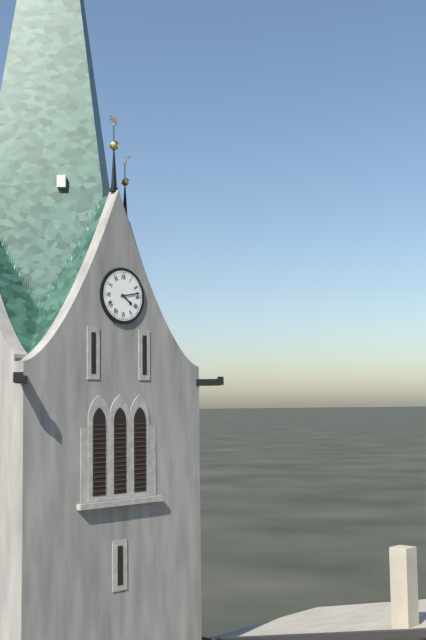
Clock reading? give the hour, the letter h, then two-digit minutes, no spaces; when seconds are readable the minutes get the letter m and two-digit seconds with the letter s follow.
4h13
